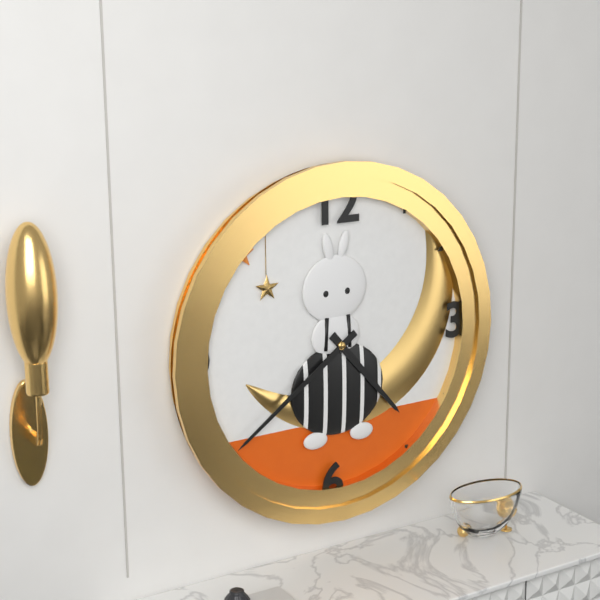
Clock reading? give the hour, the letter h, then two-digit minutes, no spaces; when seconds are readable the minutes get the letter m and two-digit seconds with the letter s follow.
4h39
